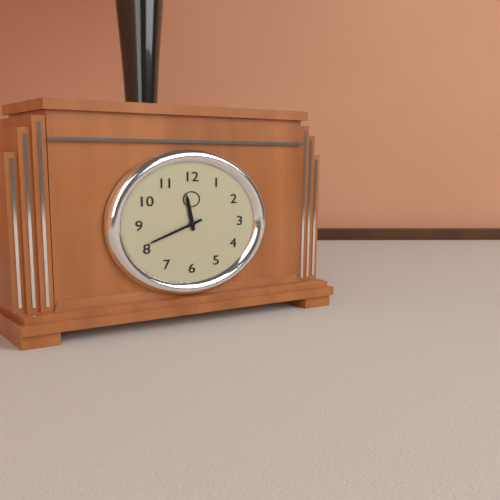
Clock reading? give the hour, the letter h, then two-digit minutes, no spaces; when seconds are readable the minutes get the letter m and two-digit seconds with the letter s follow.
11h41
